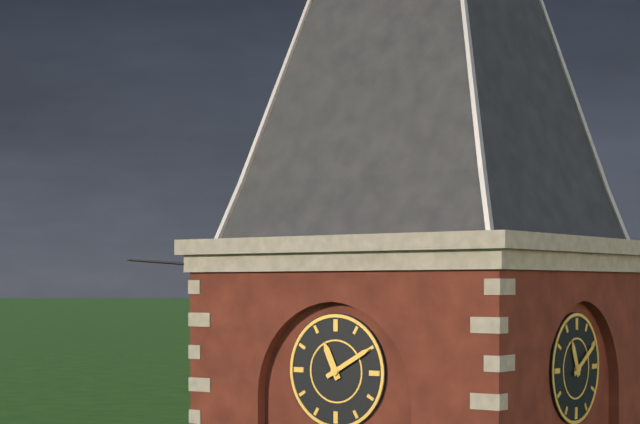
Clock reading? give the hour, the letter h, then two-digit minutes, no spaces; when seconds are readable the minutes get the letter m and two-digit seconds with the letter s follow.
11h10
